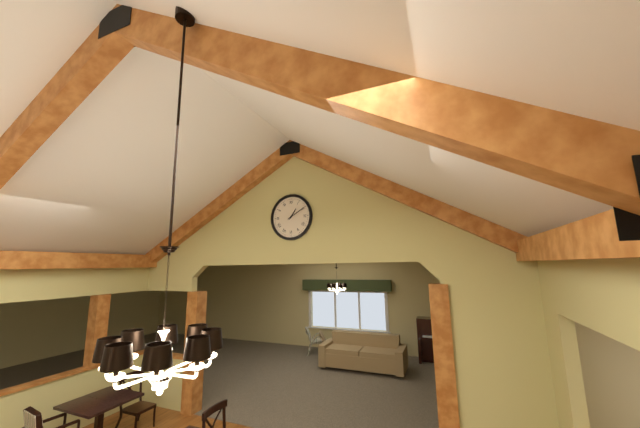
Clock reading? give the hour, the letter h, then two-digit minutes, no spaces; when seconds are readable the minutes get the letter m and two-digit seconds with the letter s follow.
1h10
